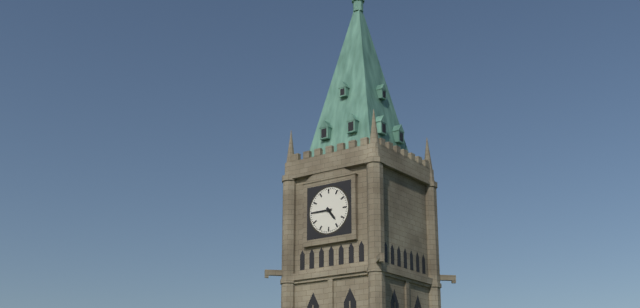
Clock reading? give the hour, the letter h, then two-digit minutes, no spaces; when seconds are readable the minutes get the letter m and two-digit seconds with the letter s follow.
4h45
